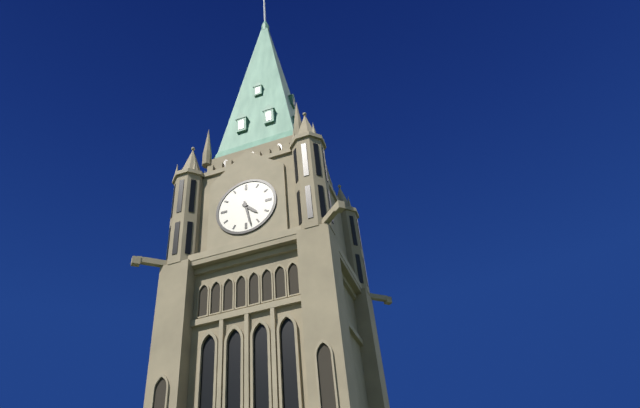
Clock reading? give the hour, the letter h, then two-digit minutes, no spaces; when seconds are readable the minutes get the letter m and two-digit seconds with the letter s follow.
4h28
